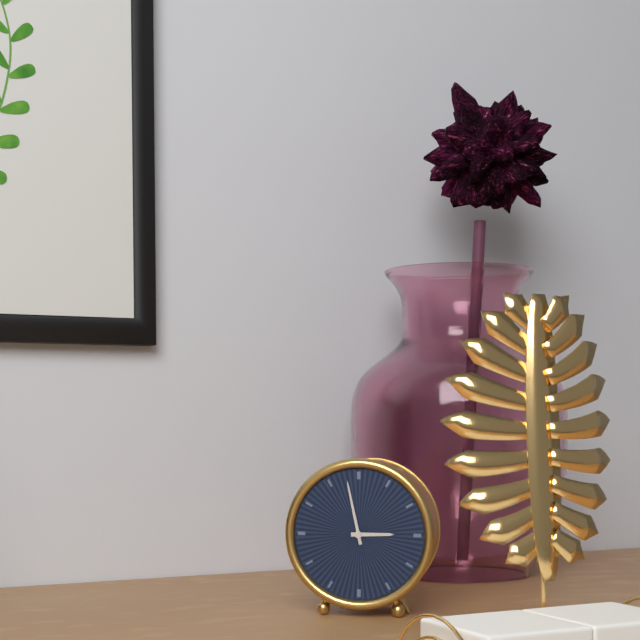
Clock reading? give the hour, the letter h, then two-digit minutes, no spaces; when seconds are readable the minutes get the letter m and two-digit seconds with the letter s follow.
2h58
